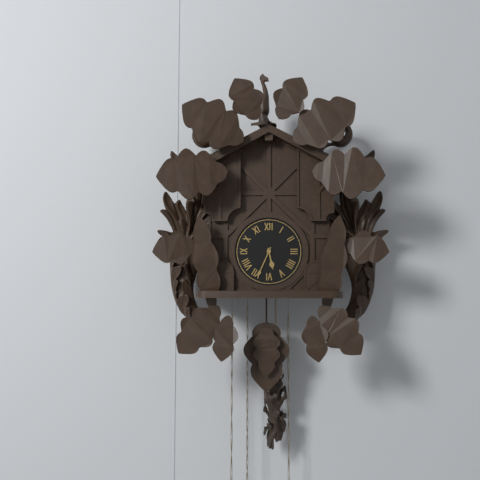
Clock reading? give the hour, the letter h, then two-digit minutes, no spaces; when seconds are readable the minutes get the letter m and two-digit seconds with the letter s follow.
5h34
